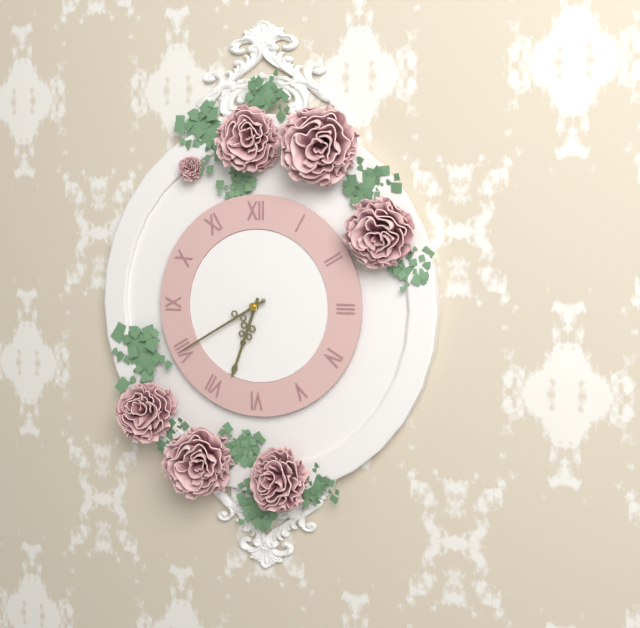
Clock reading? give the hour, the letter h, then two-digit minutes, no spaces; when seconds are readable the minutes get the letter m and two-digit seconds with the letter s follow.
6h40
